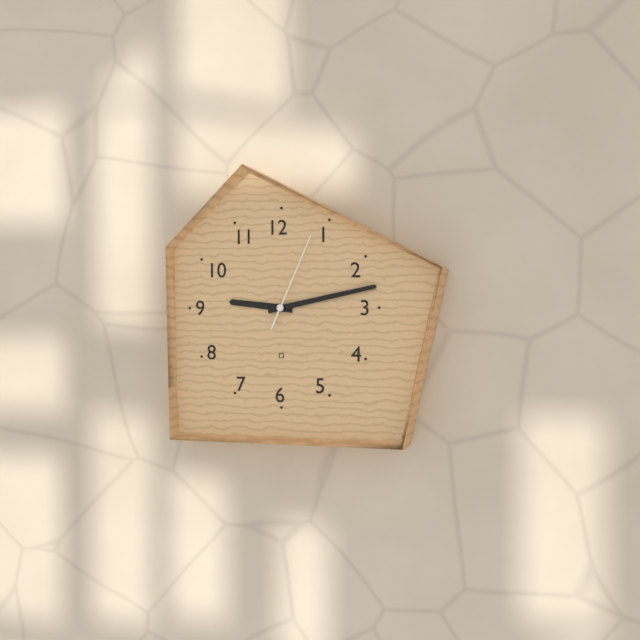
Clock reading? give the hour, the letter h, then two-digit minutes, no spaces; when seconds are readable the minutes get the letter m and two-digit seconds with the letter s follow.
9h13m04s
